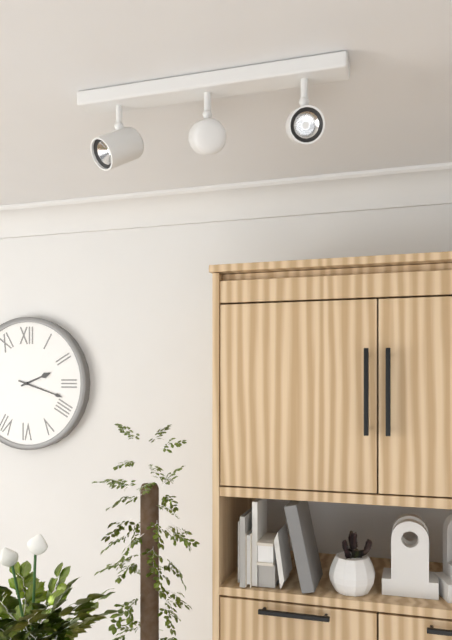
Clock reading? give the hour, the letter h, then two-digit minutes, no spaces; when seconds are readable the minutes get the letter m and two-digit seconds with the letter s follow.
2h18
